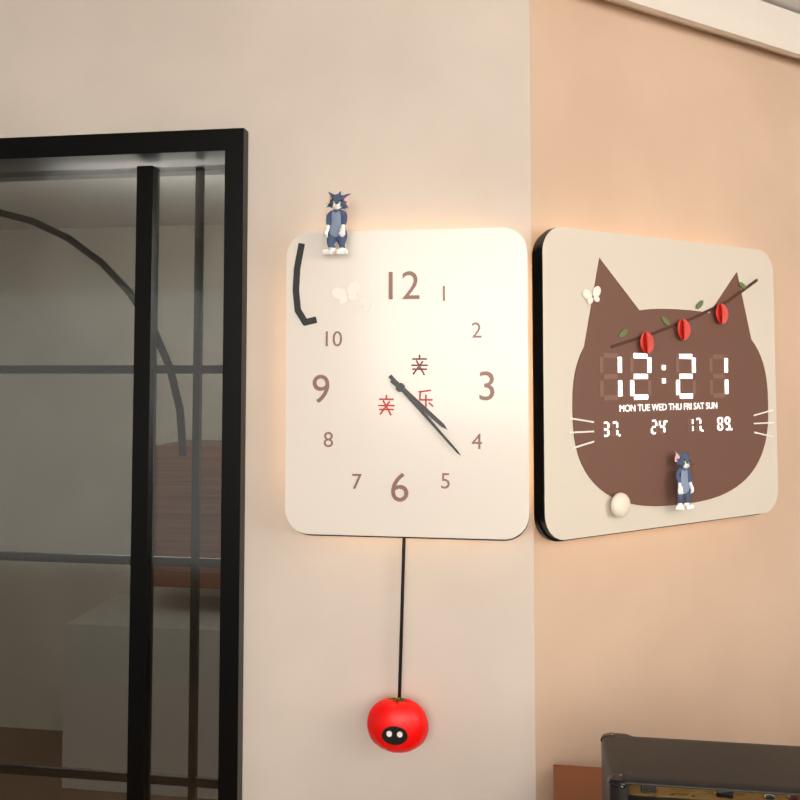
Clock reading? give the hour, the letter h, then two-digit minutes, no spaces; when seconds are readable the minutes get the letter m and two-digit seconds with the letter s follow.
4h23
